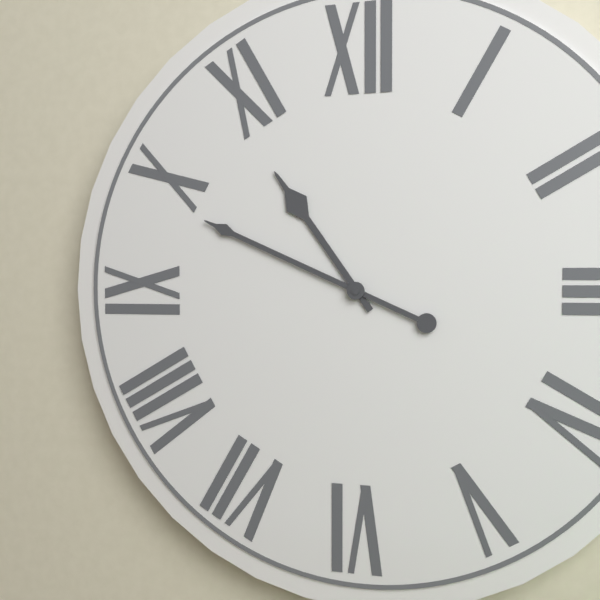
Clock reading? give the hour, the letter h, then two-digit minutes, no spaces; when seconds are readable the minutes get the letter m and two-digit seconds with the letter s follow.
10h49
